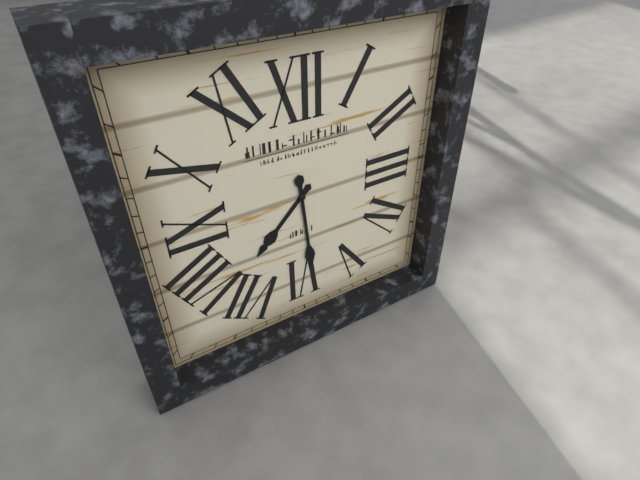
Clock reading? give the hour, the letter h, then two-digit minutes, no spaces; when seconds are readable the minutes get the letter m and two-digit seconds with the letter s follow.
7h29
